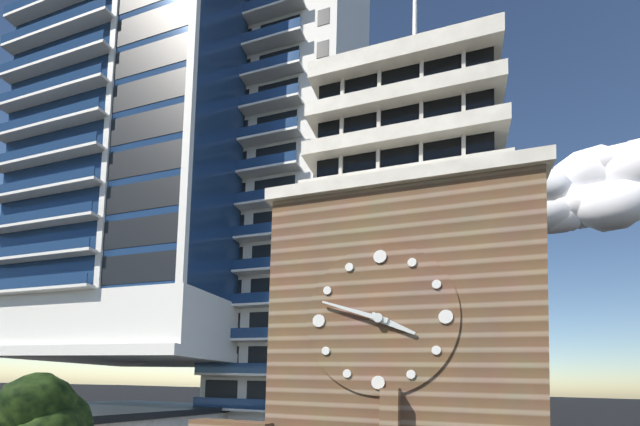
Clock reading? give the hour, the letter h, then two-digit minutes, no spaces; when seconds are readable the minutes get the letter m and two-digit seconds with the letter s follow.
3h48
